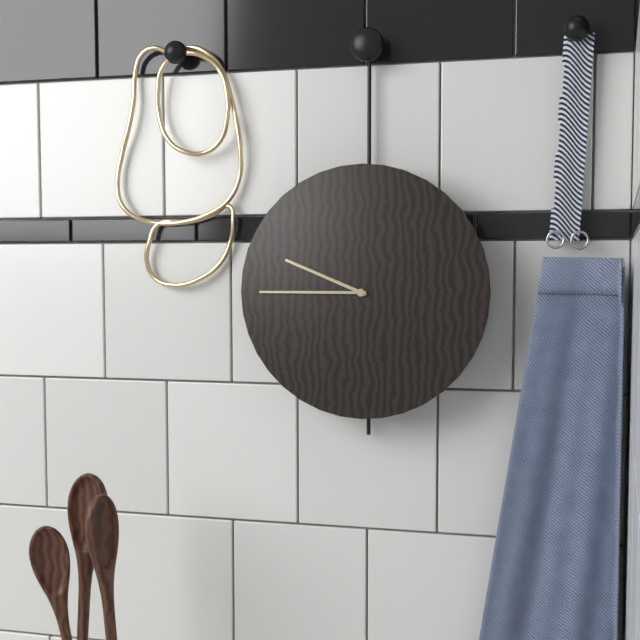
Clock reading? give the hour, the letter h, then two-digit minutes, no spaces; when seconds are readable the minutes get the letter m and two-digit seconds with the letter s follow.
9h45
